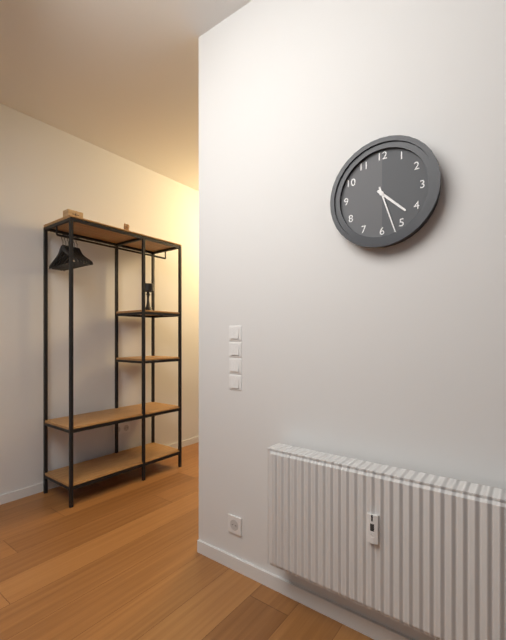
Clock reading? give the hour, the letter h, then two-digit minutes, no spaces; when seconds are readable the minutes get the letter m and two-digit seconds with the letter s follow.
4h27
